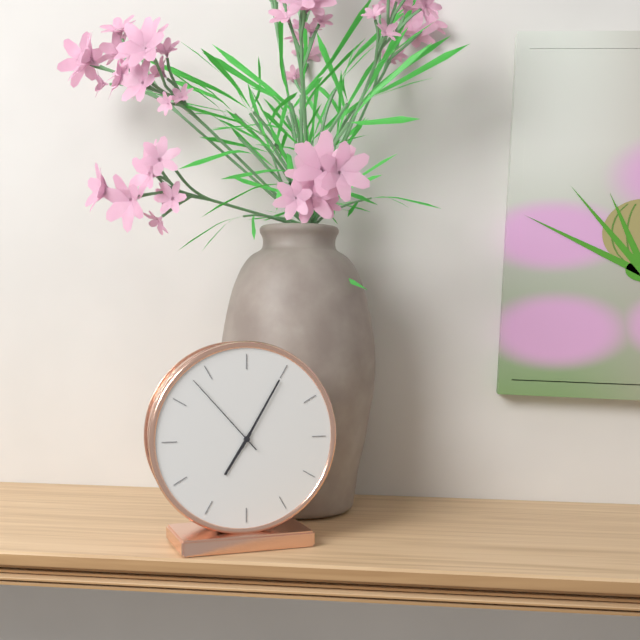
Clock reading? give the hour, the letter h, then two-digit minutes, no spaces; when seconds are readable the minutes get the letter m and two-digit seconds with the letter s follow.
7h05m53s
